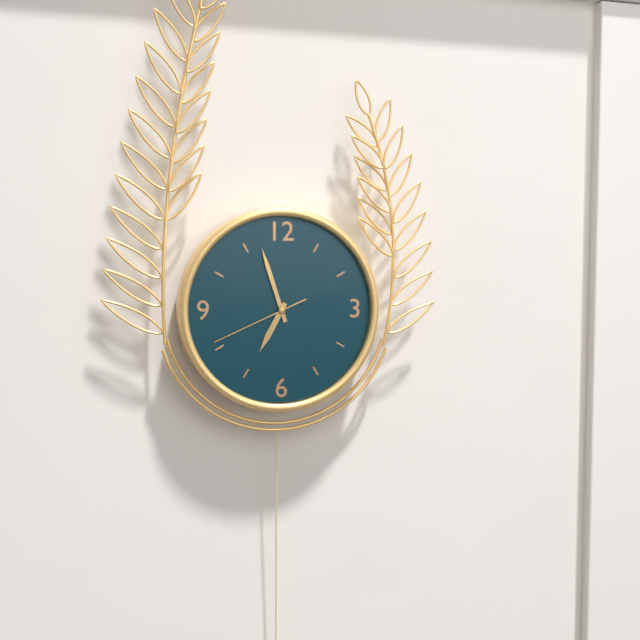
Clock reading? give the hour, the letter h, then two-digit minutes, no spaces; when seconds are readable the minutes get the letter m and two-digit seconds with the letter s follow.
6h57m41s
